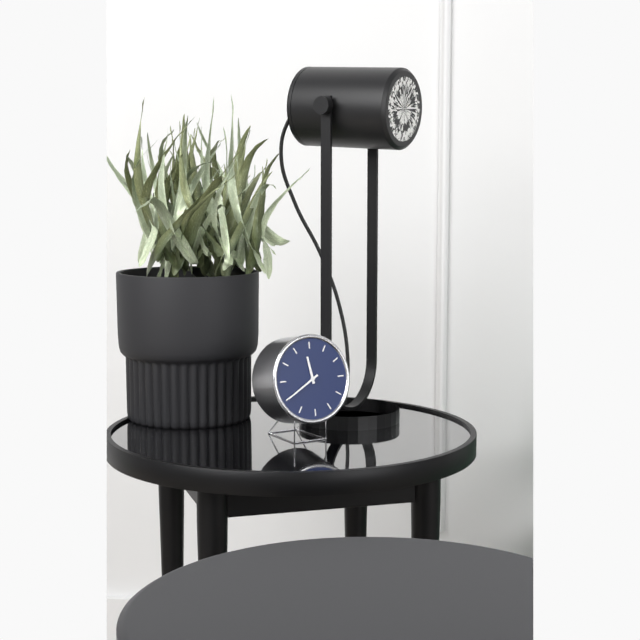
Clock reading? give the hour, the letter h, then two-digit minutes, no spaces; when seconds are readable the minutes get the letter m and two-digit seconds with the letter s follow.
11h40
